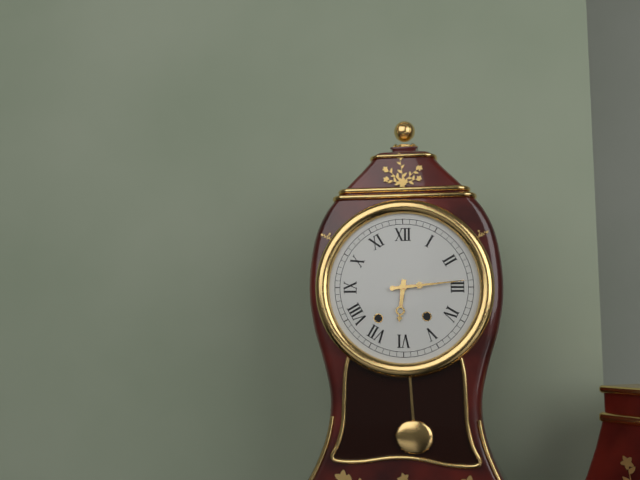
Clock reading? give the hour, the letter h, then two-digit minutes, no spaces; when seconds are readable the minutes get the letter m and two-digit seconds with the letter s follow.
6h14
